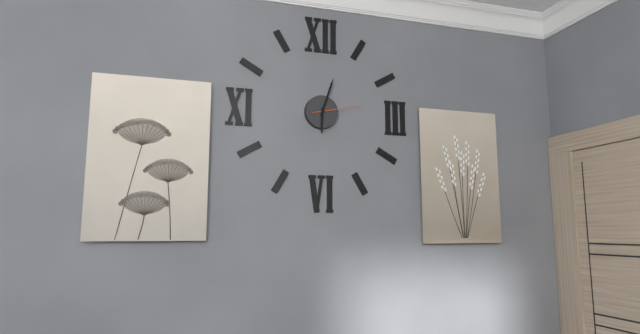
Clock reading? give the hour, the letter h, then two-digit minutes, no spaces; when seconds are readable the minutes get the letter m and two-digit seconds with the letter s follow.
6h03m13s
